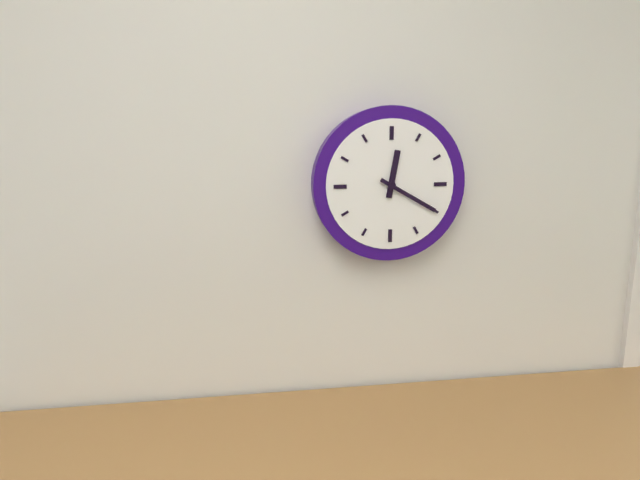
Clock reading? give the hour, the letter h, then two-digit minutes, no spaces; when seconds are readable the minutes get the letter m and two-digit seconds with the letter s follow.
12h20
